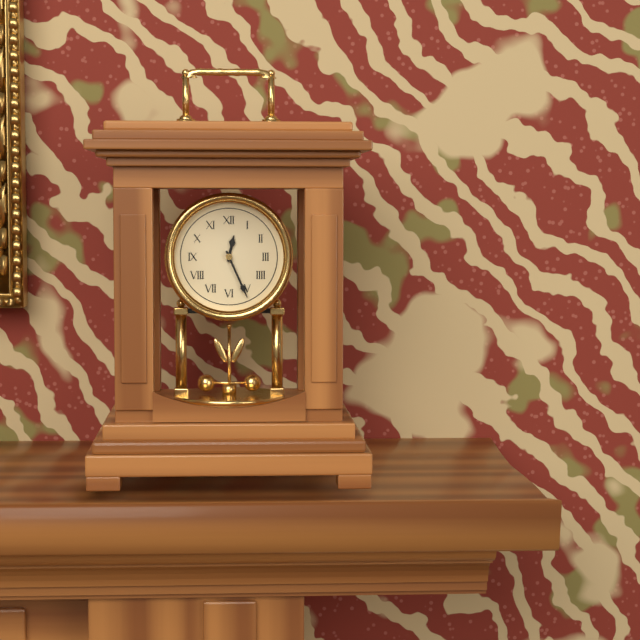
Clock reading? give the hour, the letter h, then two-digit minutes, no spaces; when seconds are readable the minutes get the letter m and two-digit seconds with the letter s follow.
12h26
